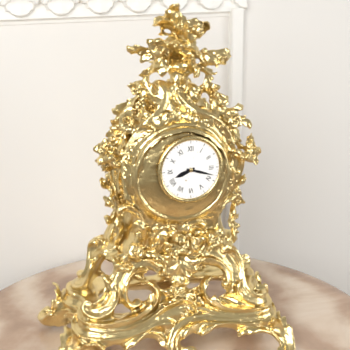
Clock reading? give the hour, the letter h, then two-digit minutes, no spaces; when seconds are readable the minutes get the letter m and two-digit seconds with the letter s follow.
8h18
